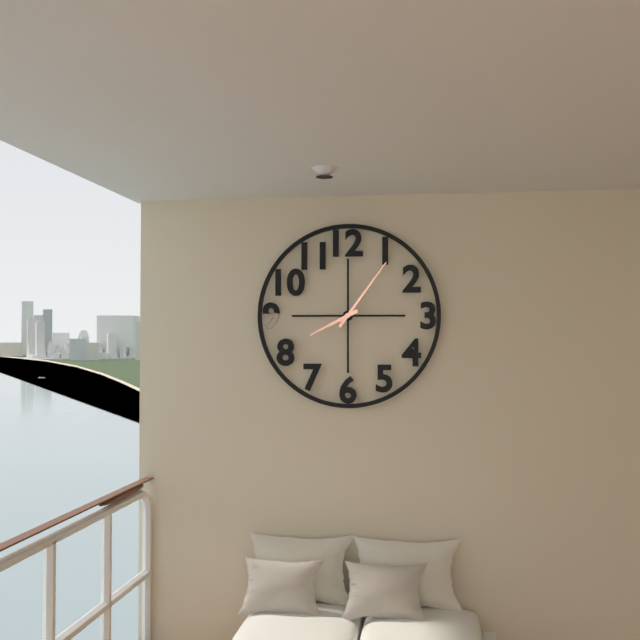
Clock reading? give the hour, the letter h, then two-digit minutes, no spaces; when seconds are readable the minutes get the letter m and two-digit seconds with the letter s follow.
8h06
